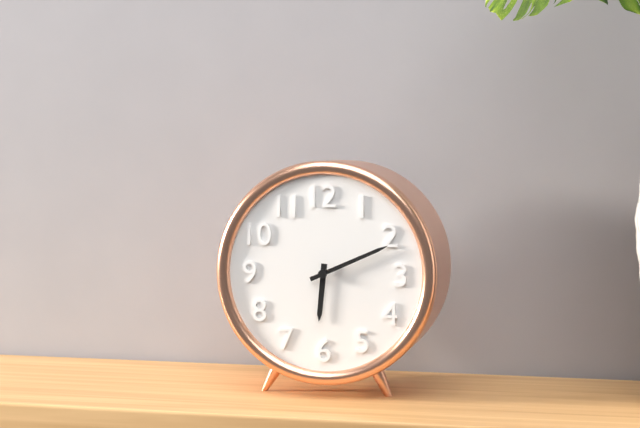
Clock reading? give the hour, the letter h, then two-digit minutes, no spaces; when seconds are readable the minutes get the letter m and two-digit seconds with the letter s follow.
6h11
